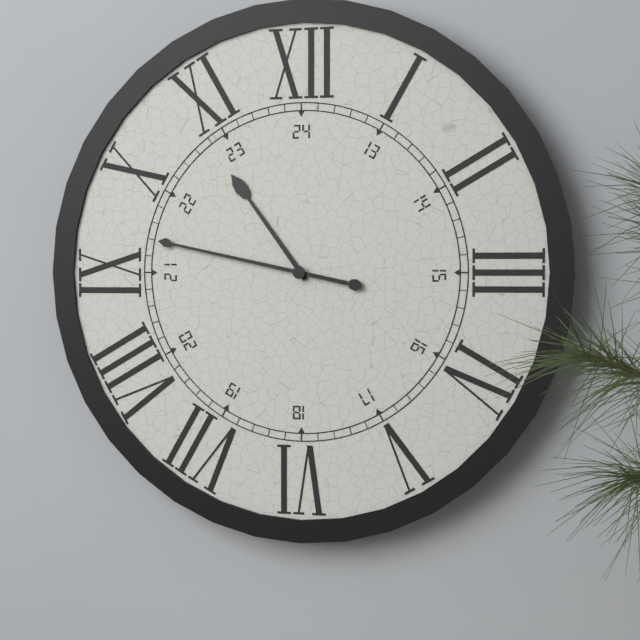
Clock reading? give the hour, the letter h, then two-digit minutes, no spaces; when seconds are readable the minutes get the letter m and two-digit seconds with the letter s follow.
10h47
